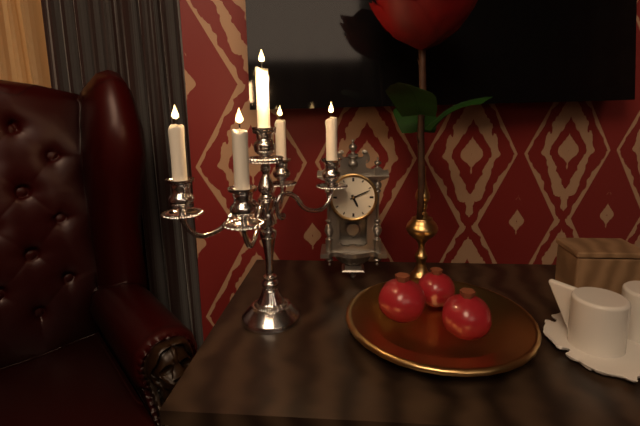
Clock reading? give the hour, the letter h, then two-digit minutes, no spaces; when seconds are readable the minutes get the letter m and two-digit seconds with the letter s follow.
5h11
